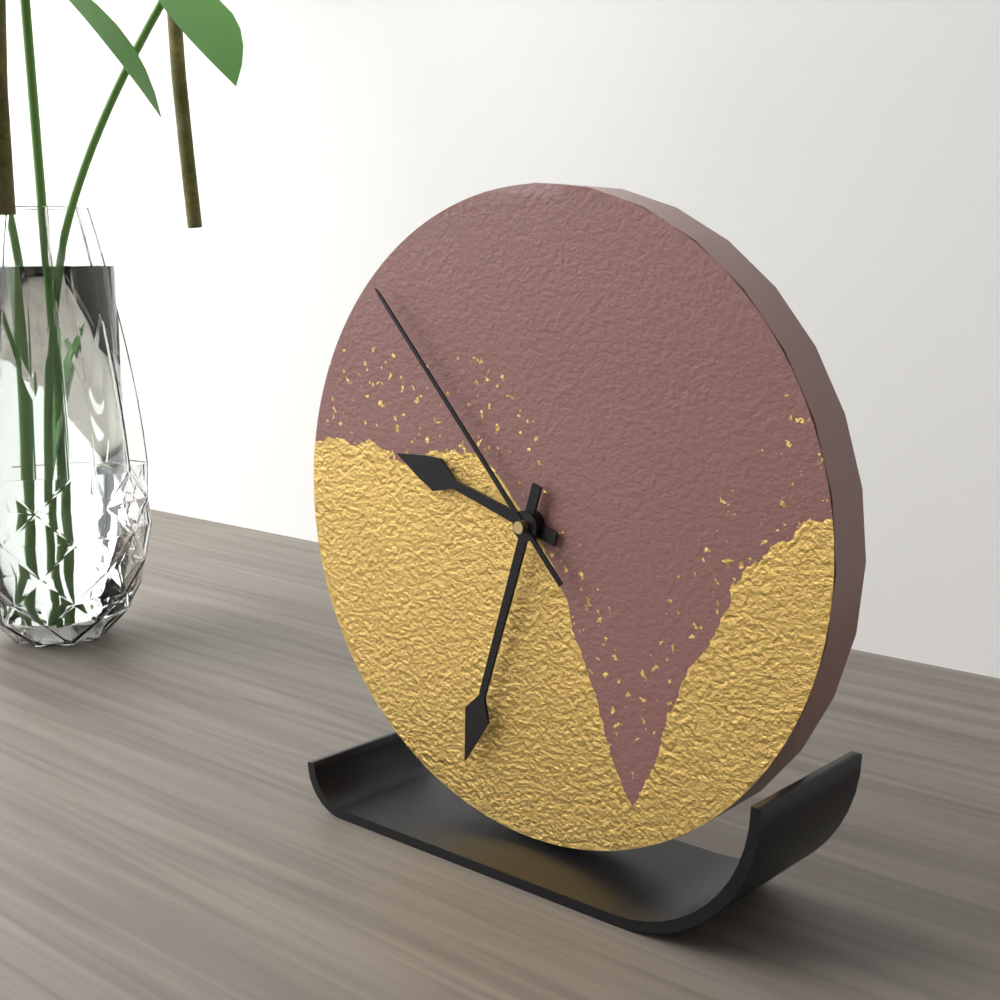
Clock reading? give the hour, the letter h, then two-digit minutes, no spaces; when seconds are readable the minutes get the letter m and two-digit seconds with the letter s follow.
9h33m53s
